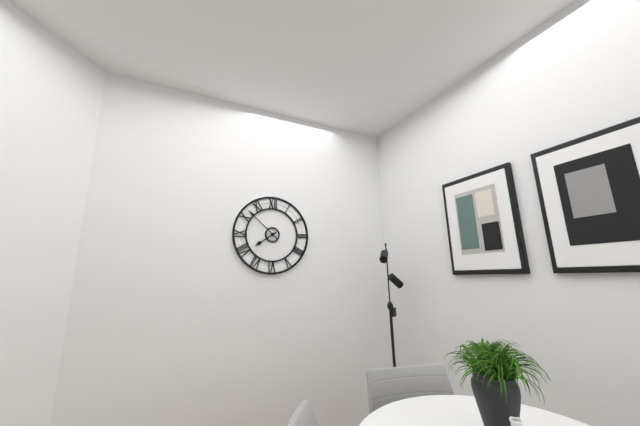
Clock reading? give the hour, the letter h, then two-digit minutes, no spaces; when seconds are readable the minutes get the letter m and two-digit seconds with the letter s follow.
7h52
